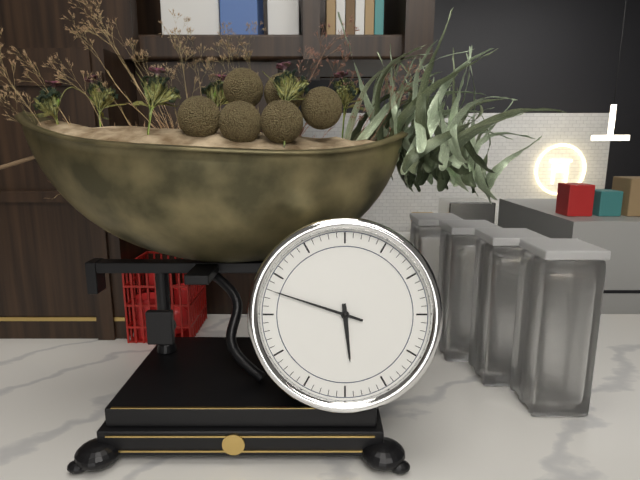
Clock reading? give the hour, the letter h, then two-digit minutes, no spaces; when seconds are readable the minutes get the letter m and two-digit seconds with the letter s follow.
5h48
